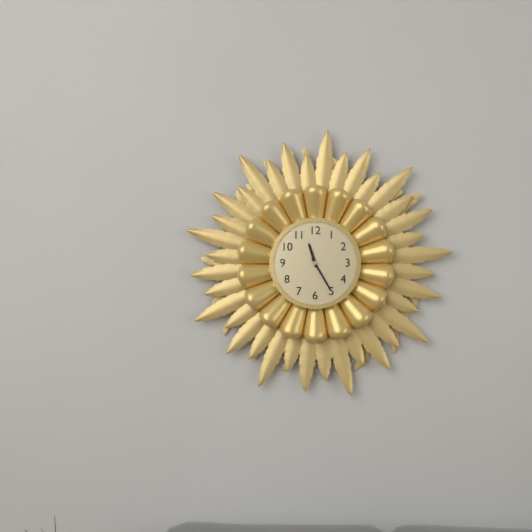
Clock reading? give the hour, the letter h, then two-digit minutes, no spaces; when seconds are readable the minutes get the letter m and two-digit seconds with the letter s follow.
11h25
